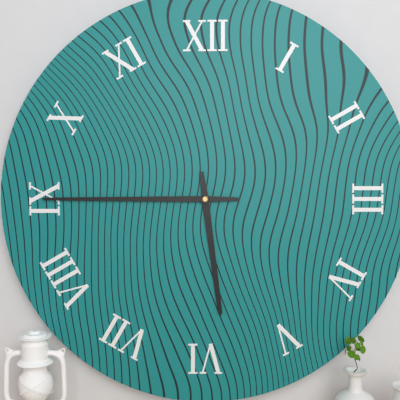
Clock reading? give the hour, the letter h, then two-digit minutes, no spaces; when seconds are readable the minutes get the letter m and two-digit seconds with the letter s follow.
5h45
